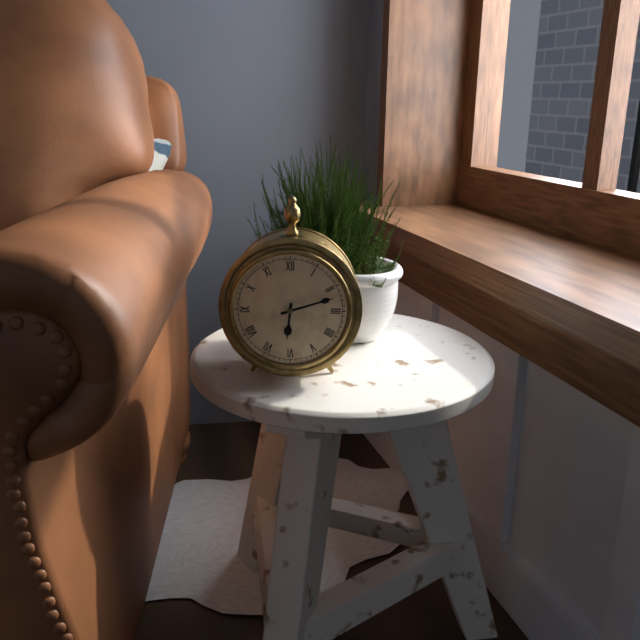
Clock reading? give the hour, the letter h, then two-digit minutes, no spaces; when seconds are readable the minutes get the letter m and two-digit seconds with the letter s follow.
6h12
